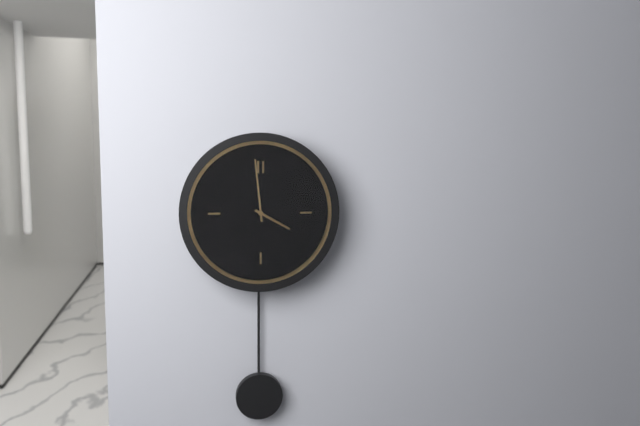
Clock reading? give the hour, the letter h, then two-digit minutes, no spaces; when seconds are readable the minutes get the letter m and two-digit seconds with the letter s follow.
3h59
